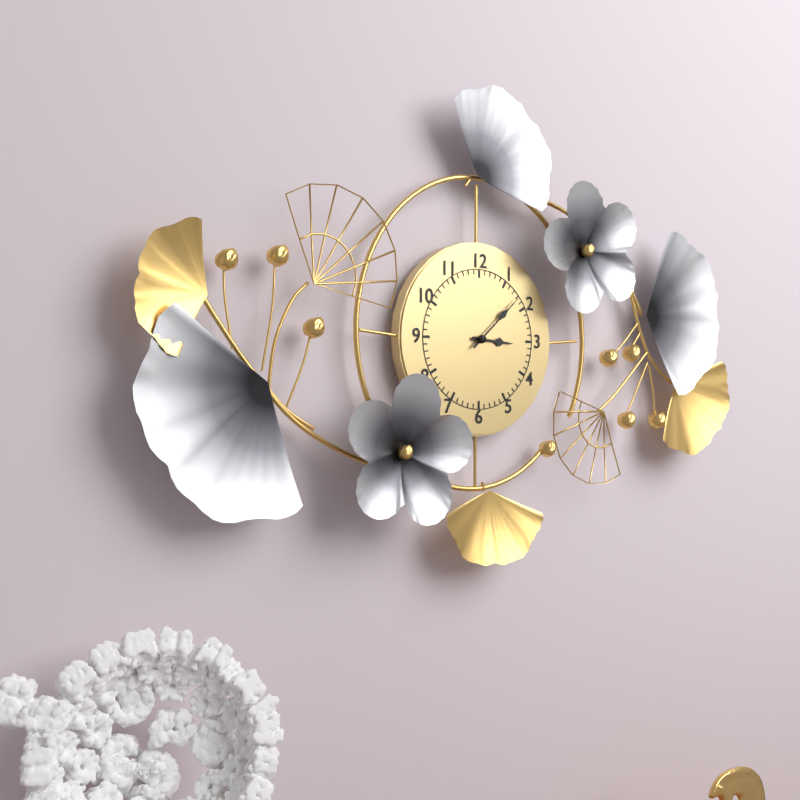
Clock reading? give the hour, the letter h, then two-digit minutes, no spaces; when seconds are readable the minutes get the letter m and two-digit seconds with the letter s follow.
3h08
